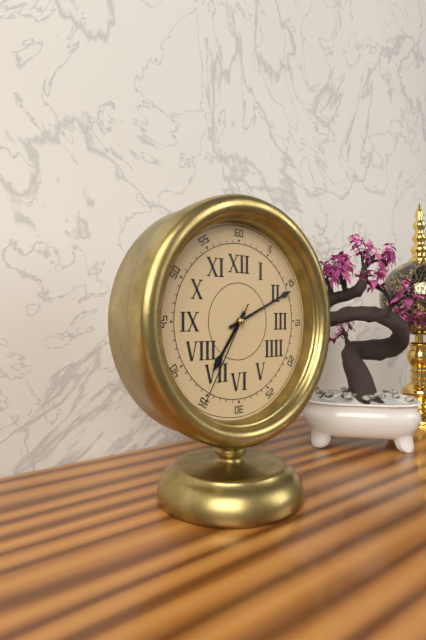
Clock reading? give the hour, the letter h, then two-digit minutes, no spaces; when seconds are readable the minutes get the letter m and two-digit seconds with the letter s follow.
7h11m35s
